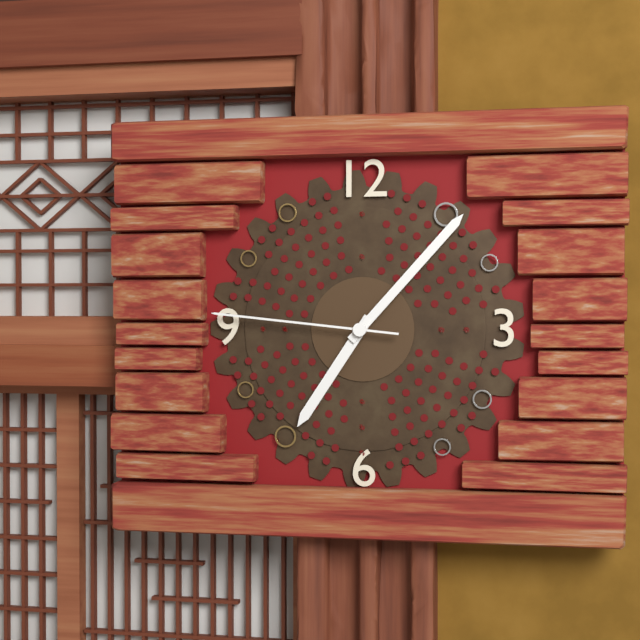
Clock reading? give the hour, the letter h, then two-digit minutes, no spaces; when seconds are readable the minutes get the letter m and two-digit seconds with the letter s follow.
7h07m46s
